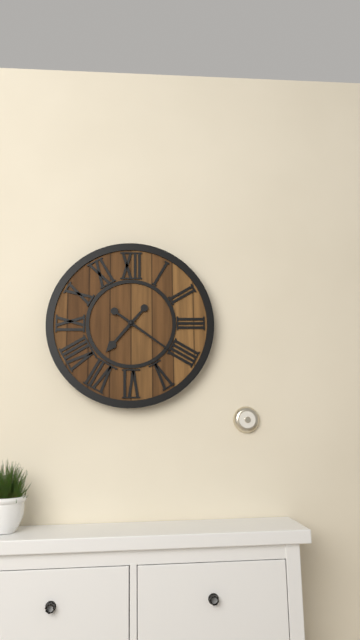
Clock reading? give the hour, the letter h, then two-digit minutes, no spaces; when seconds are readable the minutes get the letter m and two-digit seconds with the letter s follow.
7h21
